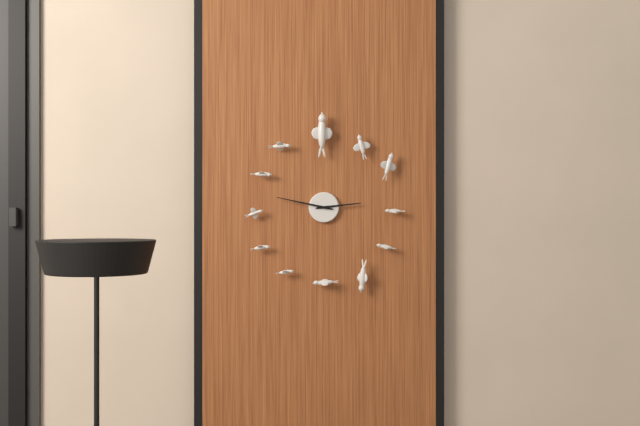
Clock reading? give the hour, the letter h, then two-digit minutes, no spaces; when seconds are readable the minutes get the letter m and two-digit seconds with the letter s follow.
2h47
